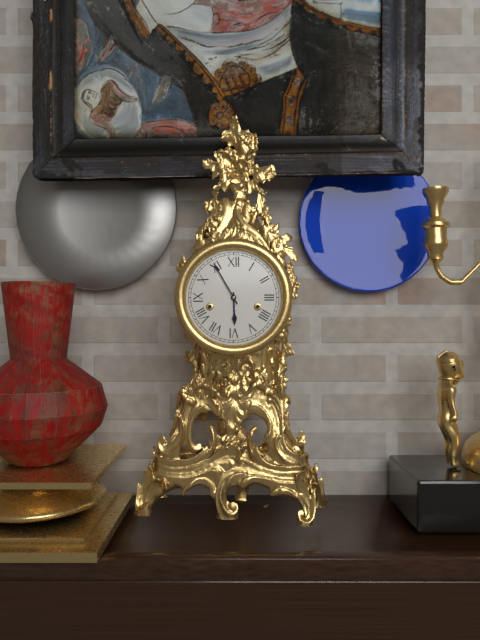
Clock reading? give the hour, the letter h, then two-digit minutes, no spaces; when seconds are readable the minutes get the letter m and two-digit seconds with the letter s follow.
5h55
